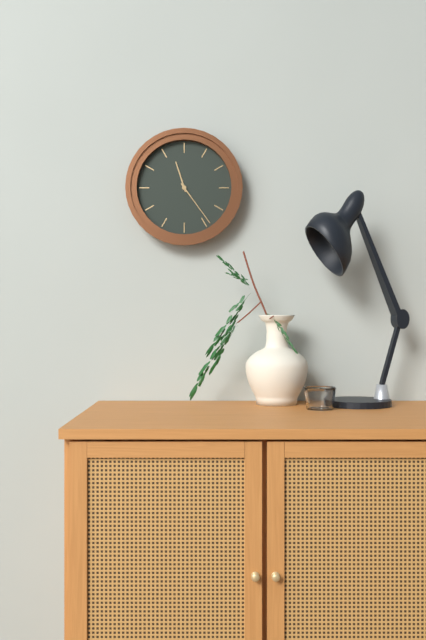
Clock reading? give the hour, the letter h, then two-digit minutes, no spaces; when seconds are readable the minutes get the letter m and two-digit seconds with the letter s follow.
11h24
